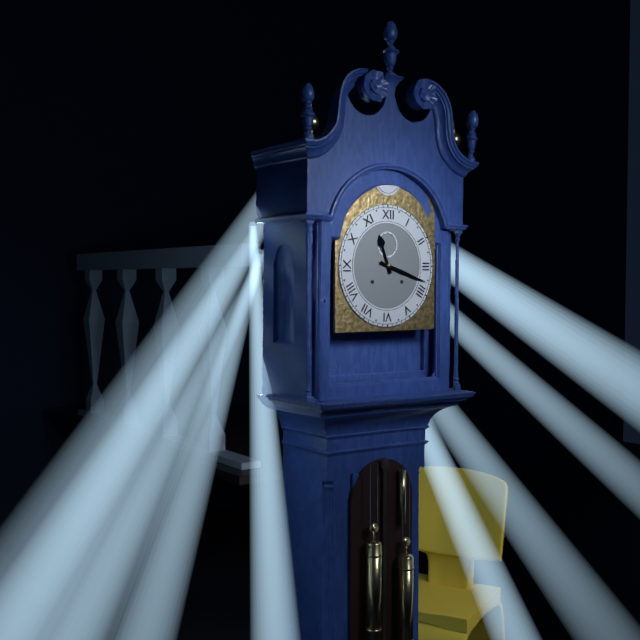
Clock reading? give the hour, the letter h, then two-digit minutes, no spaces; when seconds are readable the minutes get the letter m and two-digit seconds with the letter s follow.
11h18
